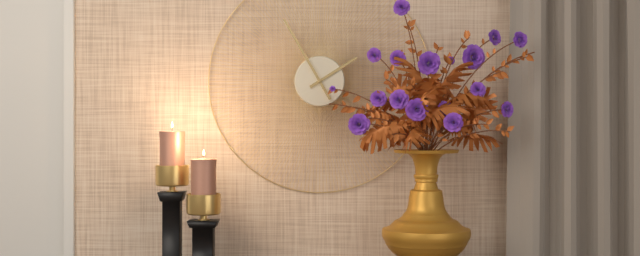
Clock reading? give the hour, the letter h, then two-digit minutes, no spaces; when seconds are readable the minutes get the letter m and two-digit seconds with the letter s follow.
1h55
